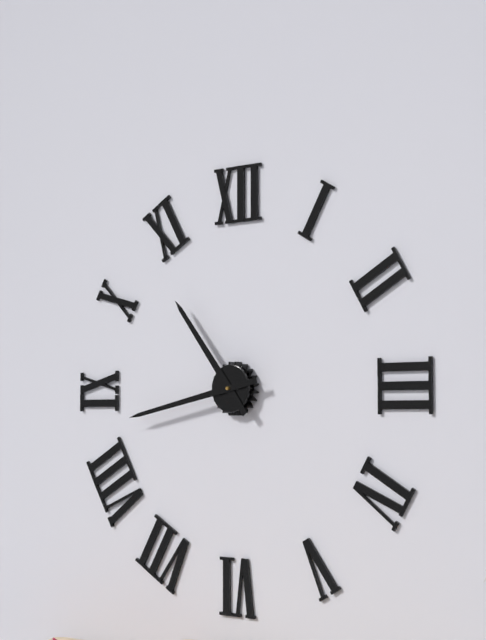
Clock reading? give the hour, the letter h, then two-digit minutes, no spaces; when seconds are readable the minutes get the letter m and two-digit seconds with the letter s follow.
10h43
